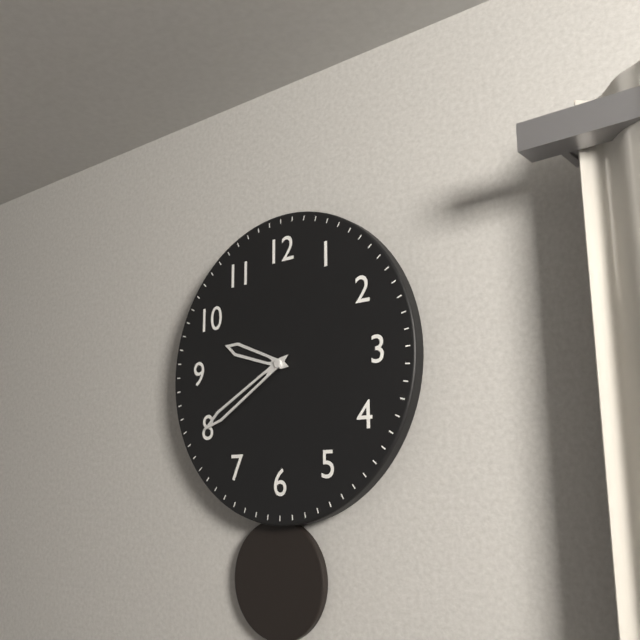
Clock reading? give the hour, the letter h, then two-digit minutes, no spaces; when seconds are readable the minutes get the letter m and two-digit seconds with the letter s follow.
9h40
